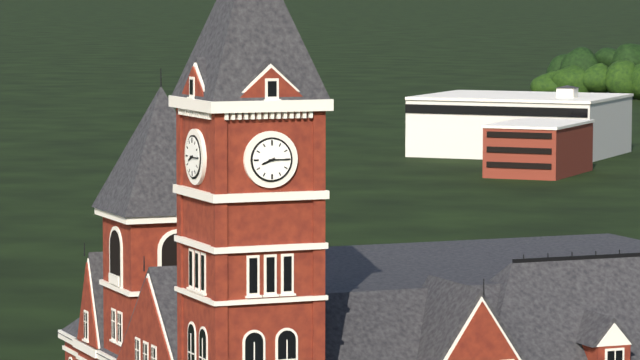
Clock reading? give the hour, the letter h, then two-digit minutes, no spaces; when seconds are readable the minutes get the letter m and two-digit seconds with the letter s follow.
8h15
